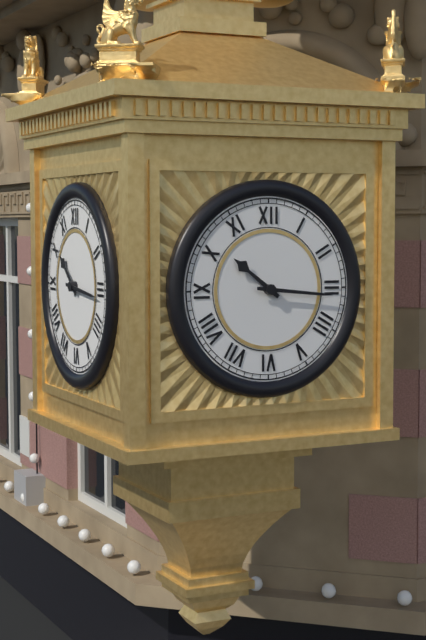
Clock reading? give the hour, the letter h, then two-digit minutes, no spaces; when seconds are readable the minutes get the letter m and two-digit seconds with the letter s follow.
10h16
